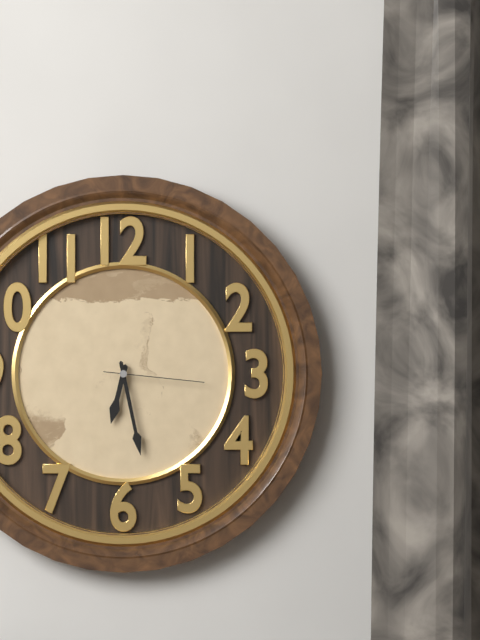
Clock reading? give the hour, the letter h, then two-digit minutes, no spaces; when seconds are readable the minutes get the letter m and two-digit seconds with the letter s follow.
6h28m16s
